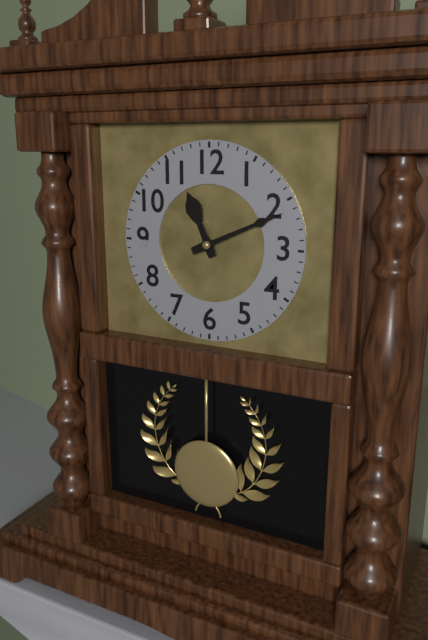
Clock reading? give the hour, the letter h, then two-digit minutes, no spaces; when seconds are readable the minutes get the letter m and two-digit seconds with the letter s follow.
11h11
